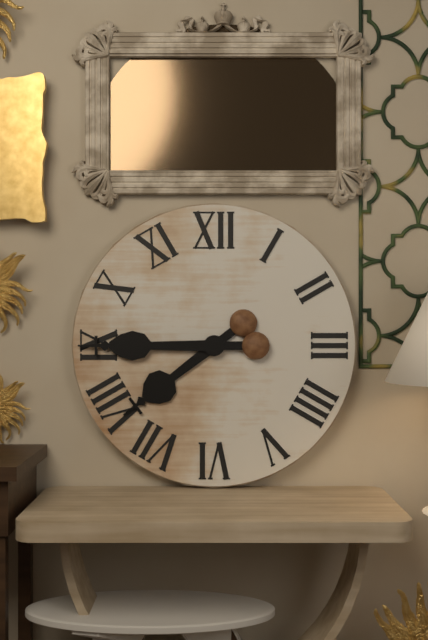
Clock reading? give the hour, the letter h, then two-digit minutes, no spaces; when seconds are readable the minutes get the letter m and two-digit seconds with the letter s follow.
7h45
